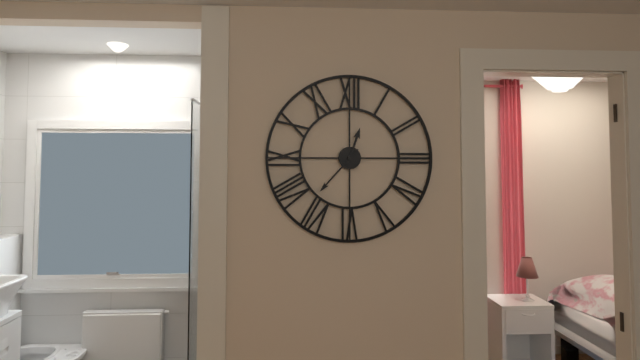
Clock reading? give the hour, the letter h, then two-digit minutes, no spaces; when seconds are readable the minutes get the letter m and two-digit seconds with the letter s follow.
12h37
